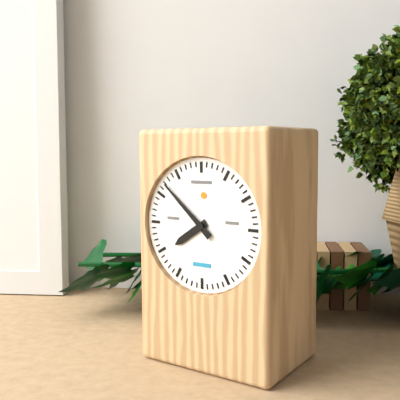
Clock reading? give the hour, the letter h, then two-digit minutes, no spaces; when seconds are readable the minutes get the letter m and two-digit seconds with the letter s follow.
7h52
